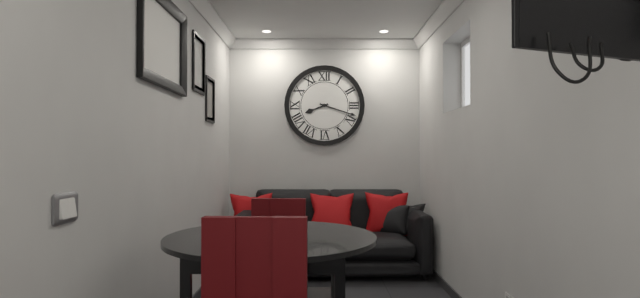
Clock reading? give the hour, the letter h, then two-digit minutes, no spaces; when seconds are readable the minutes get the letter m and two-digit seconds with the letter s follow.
8h18
